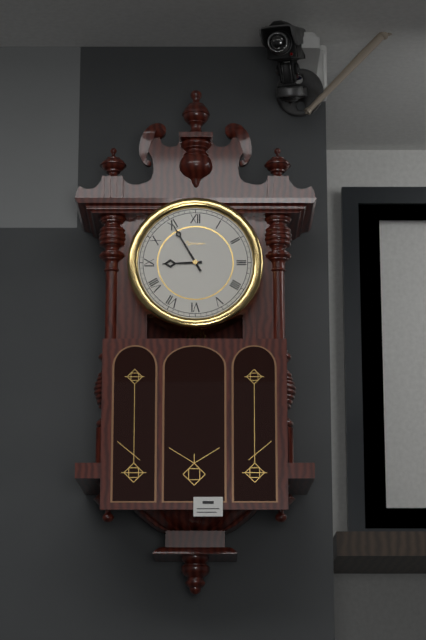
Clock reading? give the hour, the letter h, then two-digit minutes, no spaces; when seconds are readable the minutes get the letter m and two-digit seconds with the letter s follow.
8h55
